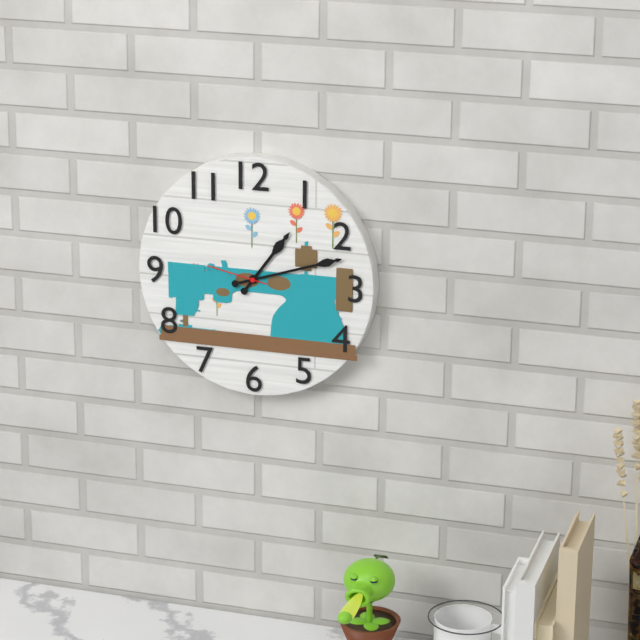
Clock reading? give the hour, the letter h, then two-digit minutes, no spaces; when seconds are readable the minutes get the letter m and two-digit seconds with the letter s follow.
1h12m47s
